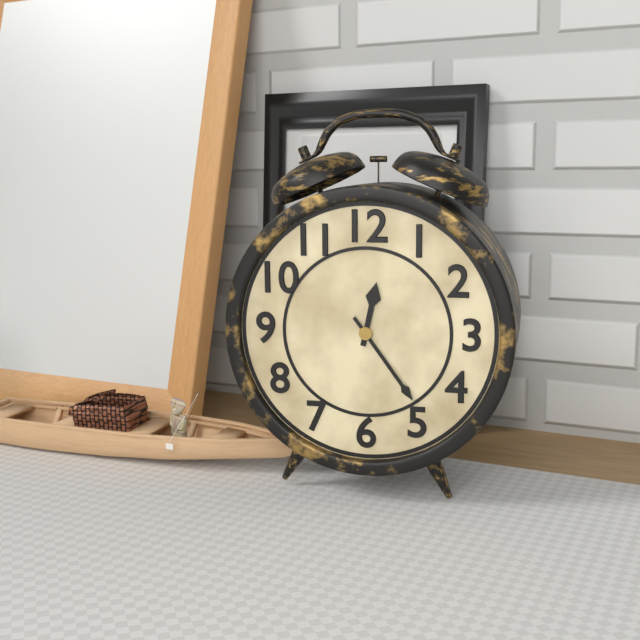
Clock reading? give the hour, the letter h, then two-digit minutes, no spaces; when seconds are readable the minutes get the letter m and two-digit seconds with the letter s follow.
12h24
